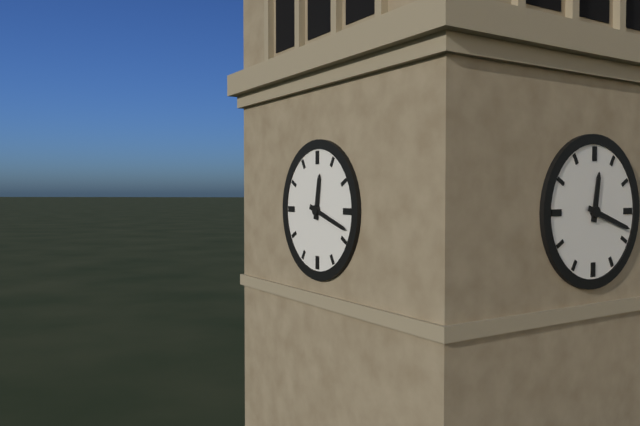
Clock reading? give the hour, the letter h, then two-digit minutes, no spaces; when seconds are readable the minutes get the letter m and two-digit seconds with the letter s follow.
12h18
